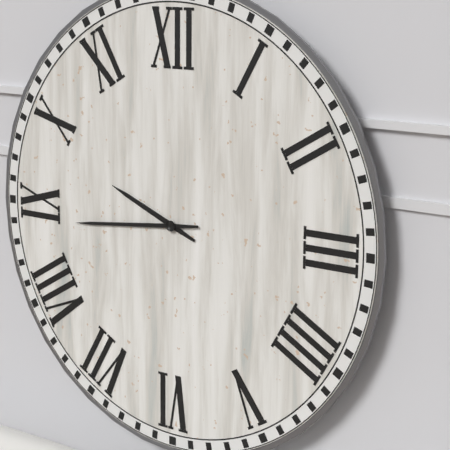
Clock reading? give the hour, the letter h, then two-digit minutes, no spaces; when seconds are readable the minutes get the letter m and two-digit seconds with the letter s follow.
9h44
